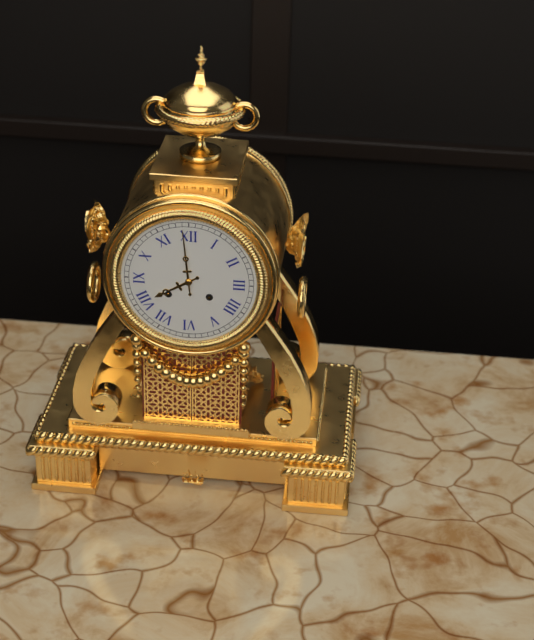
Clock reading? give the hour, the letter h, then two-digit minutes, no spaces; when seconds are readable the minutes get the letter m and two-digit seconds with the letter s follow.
7h59
